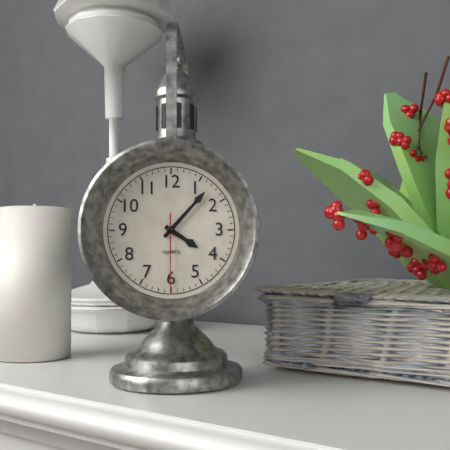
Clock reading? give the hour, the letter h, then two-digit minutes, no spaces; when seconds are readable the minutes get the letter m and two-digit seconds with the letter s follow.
4h07m30s
